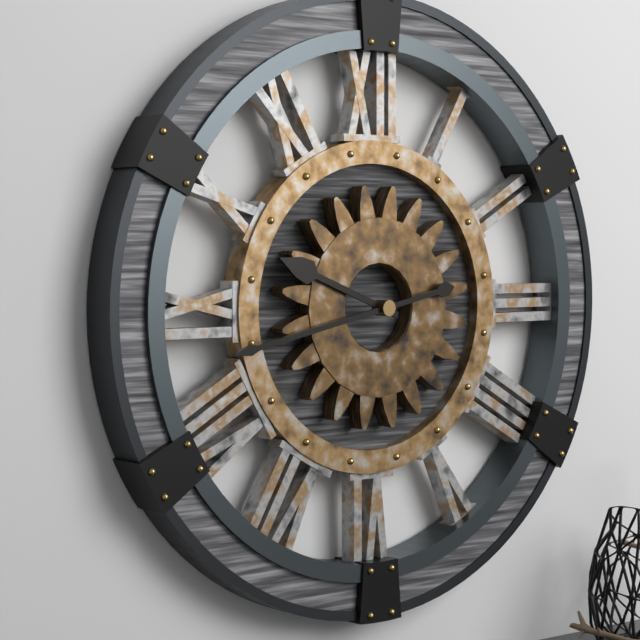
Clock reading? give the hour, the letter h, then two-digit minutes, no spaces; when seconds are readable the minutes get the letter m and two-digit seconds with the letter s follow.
9h43
